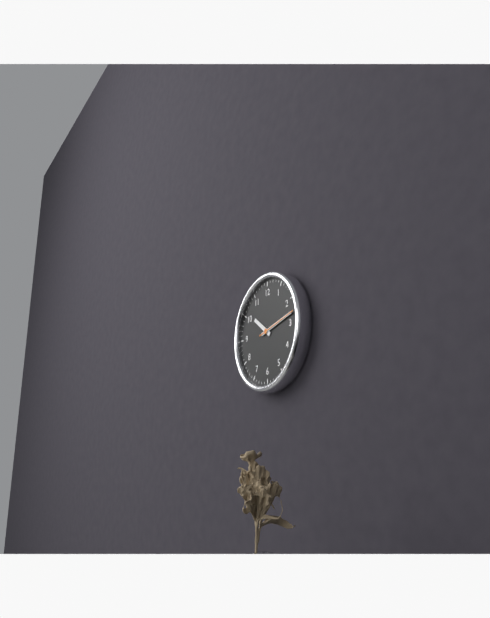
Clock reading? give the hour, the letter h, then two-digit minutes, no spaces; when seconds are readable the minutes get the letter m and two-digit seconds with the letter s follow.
10h13
